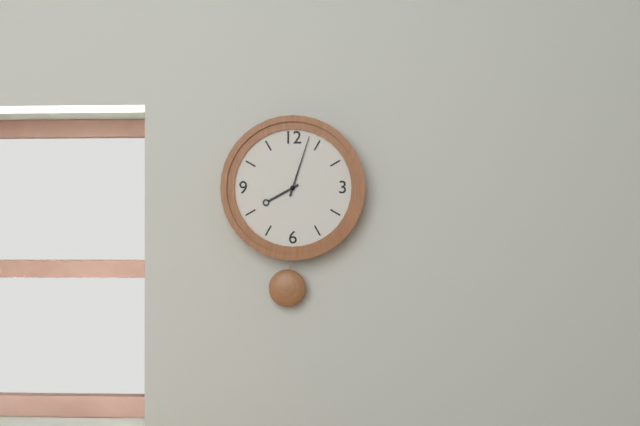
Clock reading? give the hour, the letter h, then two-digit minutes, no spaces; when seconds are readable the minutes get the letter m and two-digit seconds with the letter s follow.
8h03
